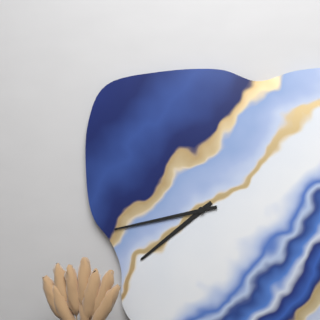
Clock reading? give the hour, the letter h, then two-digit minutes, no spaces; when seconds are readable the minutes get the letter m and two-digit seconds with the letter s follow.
7h43
